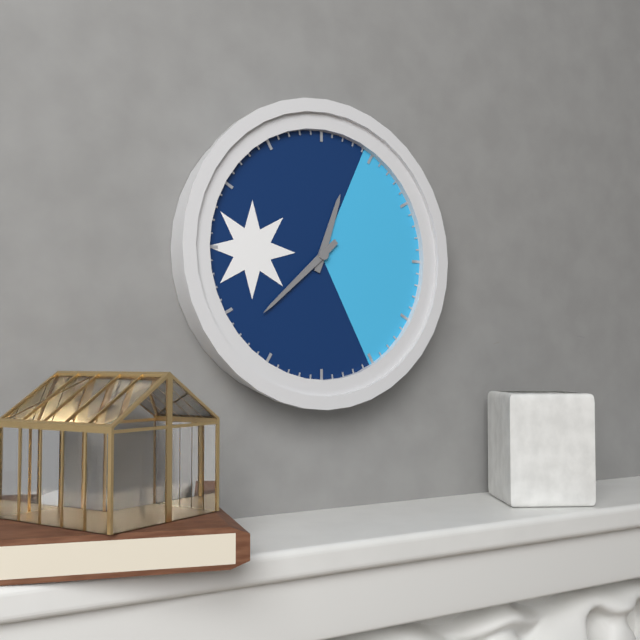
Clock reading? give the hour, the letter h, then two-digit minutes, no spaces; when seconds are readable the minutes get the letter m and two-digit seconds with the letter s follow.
12h38
